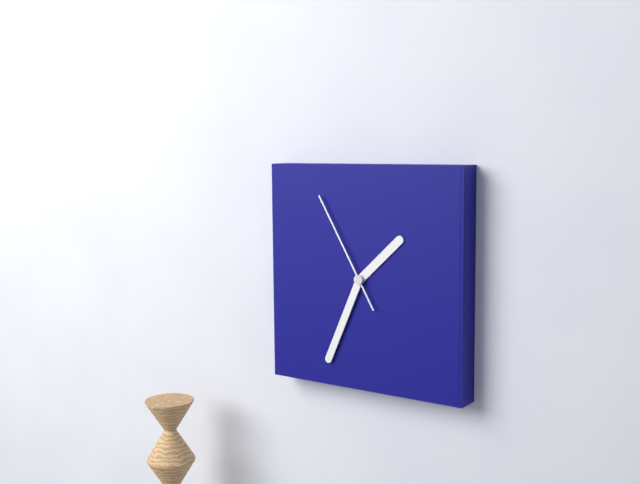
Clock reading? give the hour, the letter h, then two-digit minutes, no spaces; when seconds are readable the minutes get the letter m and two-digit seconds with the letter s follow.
1h34m55s
